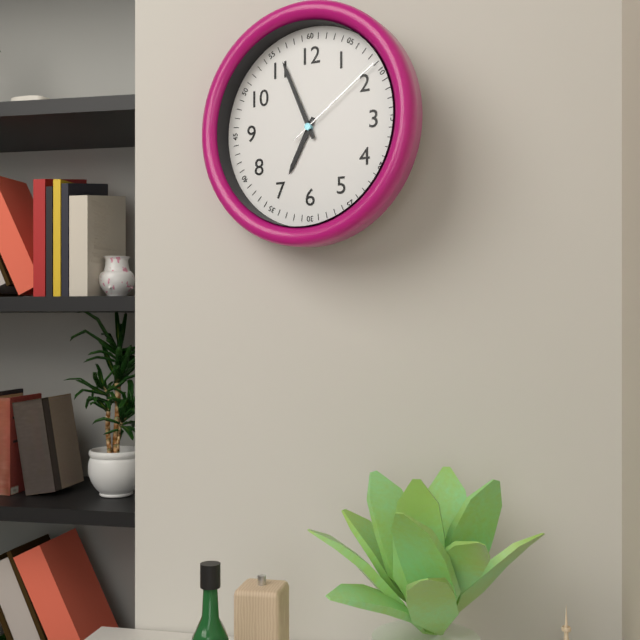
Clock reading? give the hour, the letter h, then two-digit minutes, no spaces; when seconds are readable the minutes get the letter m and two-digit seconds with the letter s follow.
6h56m09s
